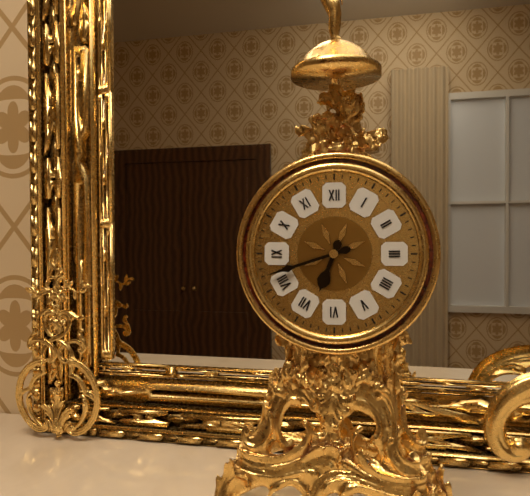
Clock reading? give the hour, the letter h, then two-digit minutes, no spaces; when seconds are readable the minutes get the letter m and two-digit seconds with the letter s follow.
6h42
